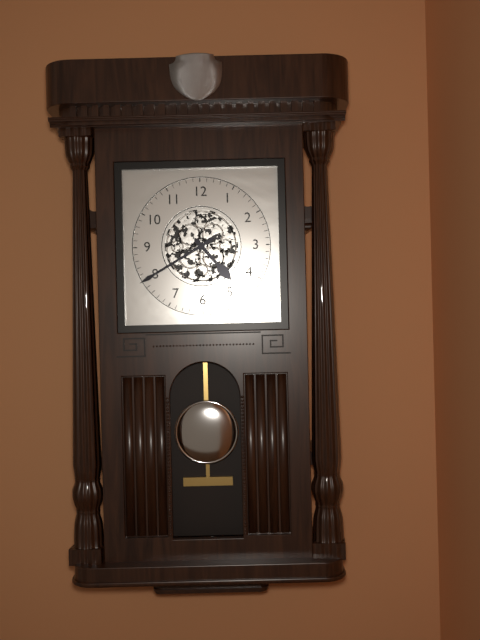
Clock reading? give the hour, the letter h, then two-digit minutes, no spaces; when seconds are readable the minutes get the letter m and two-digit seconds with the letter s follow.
4h40
